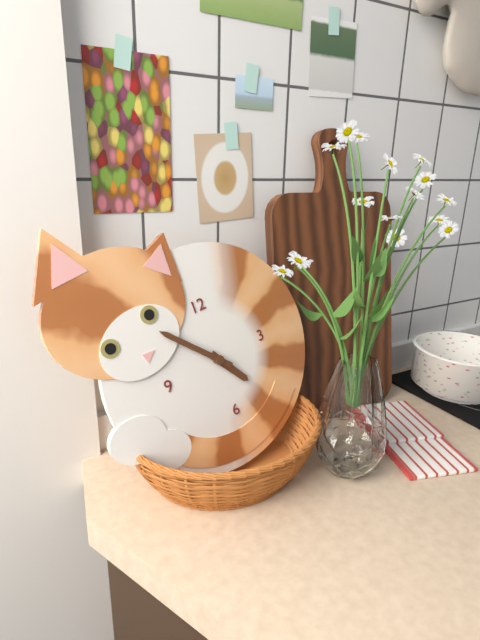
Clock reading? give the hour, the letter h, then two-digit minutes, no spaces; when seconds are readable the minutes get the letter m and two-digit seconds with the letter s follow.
4h53
